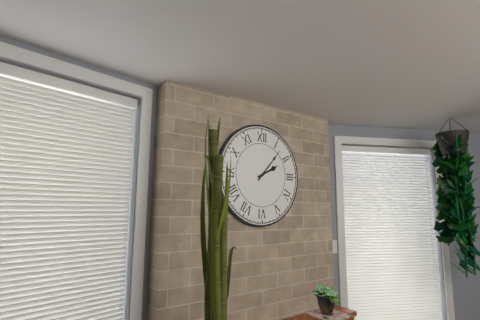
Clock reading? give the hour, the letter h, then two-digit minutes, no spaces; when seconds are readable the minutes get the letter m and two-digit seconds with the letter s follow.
2h07
